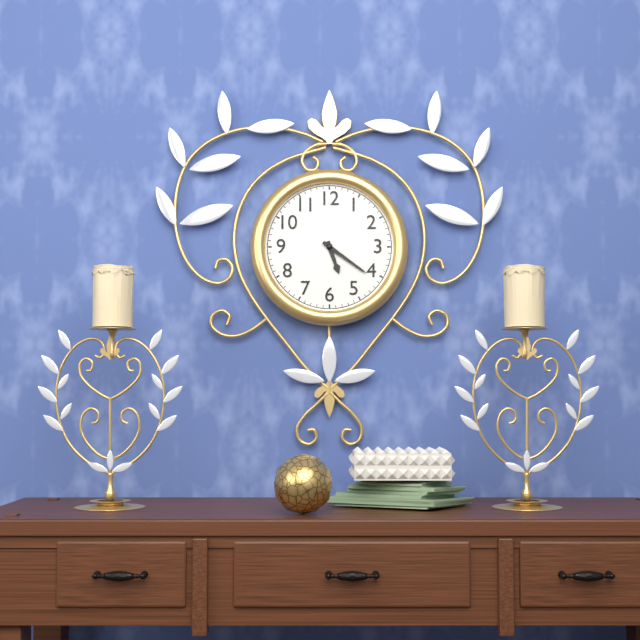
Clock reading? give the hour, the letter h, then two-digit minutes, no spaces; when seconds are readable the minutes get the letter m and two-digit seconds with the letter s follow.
5h21
